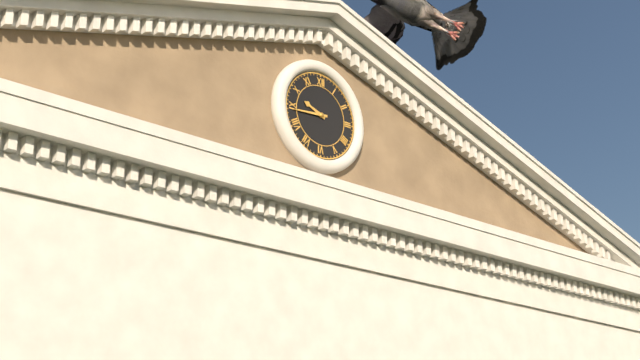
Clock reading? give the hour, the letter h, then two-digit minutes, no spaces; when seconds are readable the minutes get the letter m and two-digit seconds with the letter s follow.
9h44
